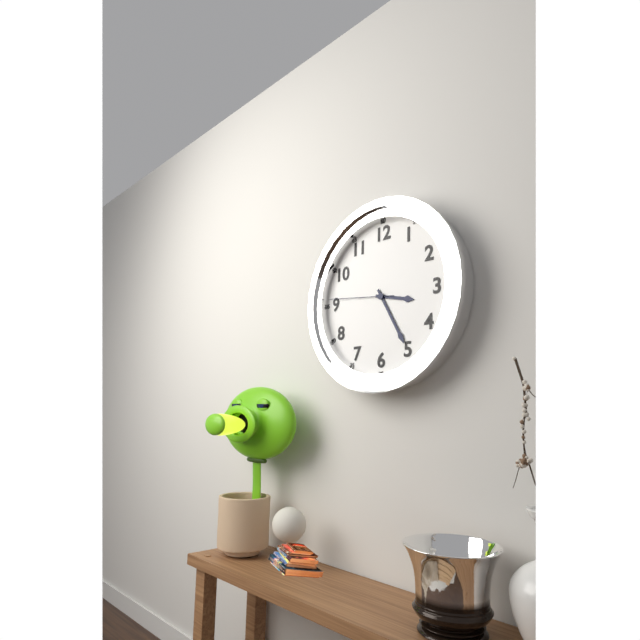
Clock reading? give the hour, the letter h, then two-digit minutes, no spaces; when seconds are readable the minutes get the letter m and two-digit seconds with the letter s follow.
3h25m46s
